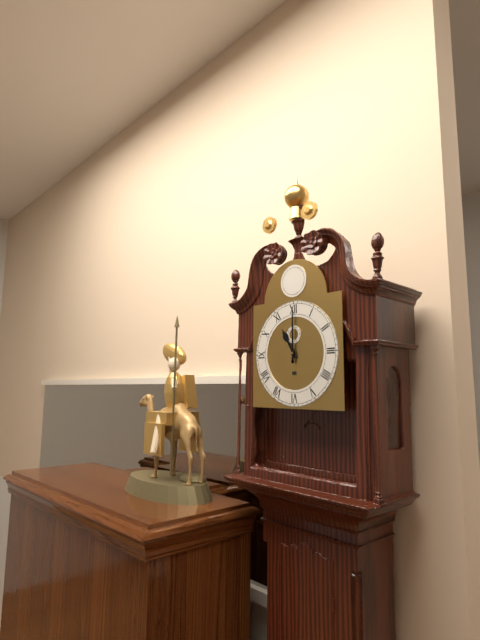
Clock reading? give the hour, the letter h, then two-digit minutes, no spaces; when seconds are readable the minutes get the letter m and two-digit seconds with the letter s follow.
11h00
